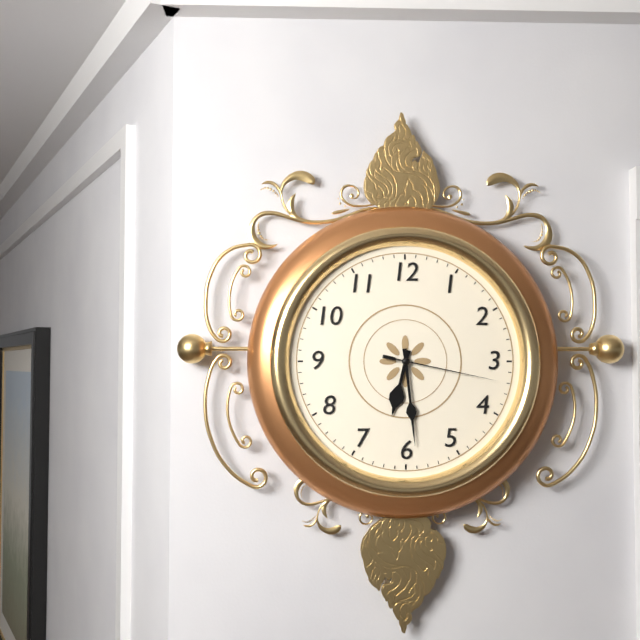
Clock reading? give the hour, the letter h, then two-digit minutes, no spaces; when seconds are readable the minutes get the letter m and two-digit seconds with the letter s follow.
6h29m17s
